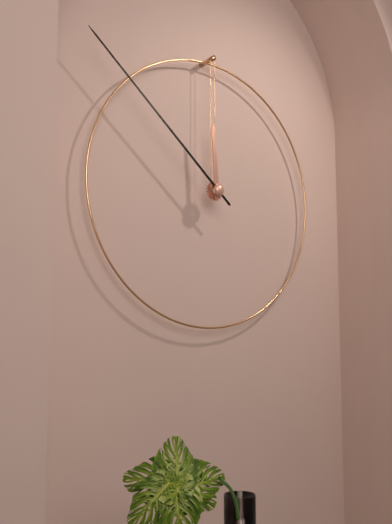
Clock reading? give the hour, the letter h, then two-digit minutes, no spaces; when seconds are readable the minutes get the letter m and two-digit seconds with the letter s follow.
11h52
